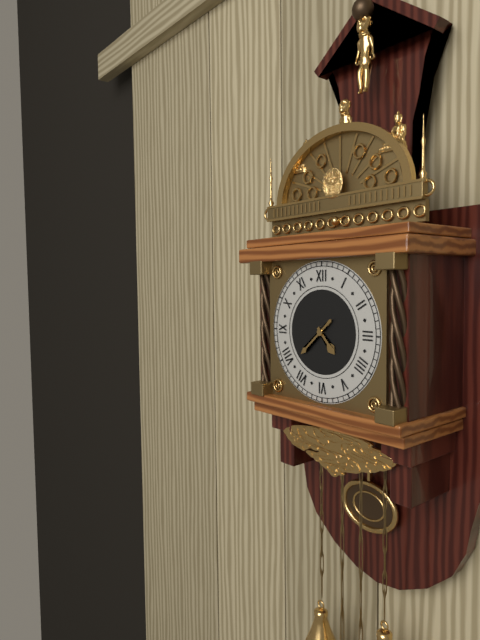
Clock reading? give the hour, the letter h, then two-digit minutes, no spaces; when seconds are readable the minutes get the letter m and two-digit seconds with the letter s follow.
4h38
